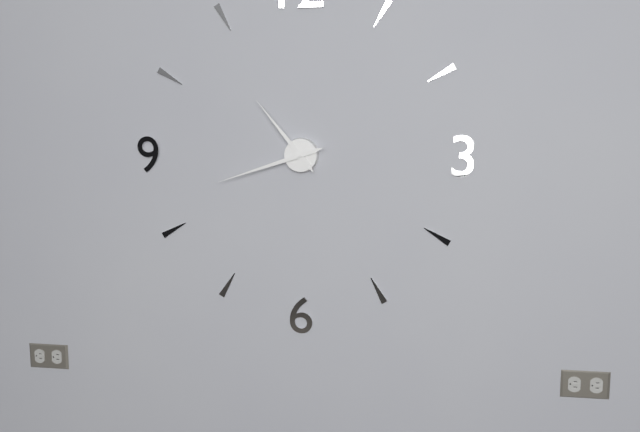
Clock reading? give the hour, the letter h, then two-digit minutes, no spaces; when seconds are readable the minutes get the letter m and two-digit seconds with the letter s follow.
10h42
